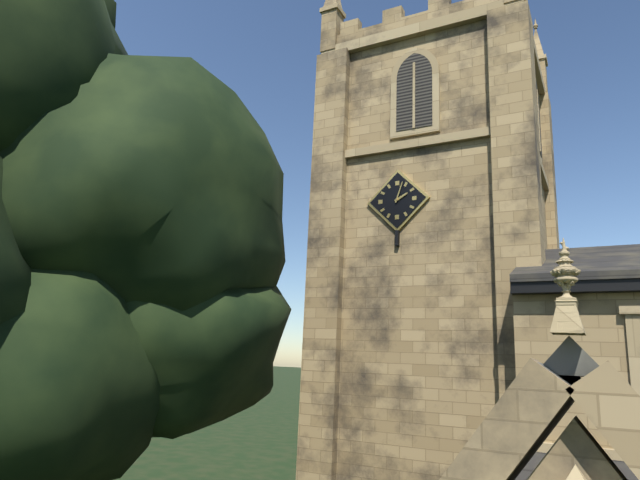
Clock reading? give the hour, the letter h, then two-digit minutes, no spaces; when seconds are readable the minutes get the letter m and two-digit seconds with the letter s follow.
2h03
